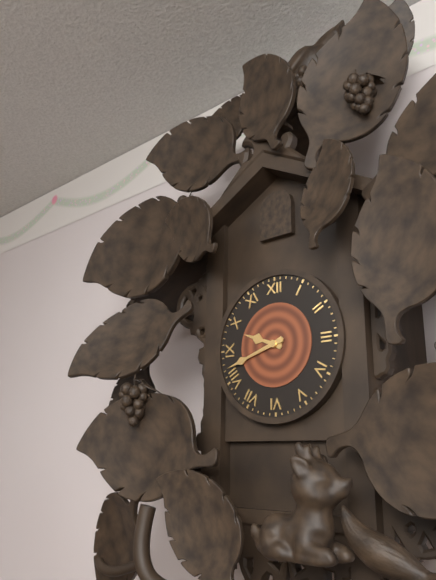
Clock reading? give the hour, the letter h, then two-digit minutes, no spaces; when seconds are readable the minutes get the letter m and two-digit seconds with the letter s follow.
9h42
